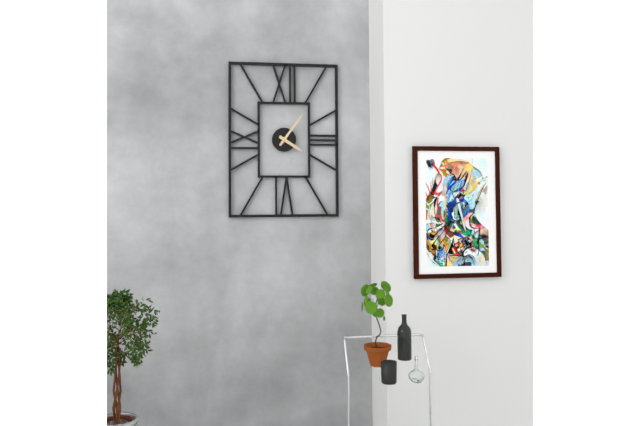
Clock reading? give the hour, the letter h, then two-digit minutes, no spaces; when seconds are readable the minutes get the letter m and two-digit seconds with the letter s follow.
4h06
